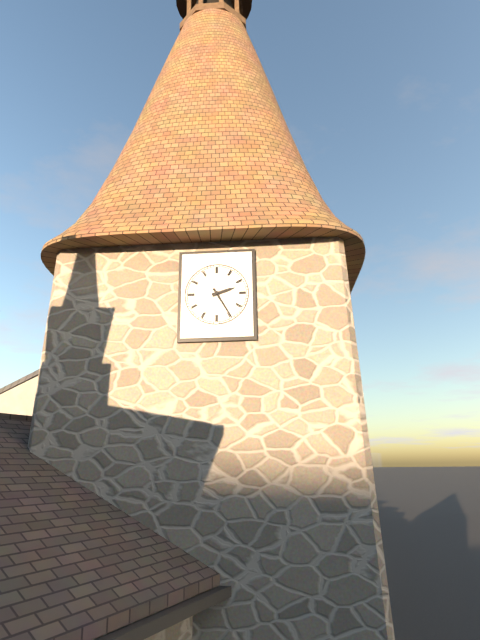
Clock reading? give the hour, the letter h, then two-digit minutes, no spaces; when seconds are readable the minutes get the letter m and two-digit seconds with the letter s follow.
2h25
